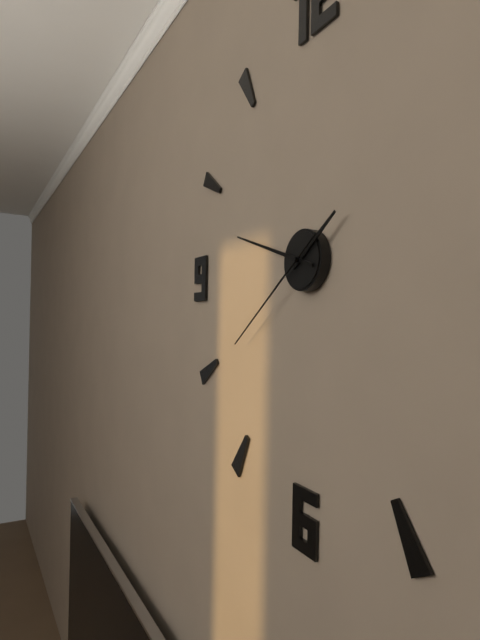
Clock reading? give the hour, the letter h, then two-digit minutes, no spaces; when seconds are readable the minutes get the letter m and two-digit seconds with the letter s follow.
1h48m39s
